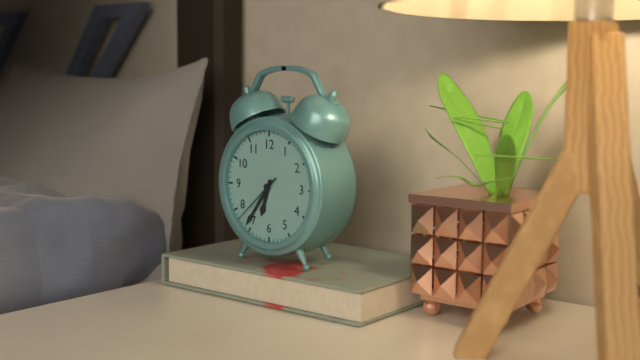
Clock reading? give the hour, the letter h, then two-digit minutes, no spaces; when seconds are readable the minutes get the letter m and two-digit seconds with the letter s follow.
6h36m38s
